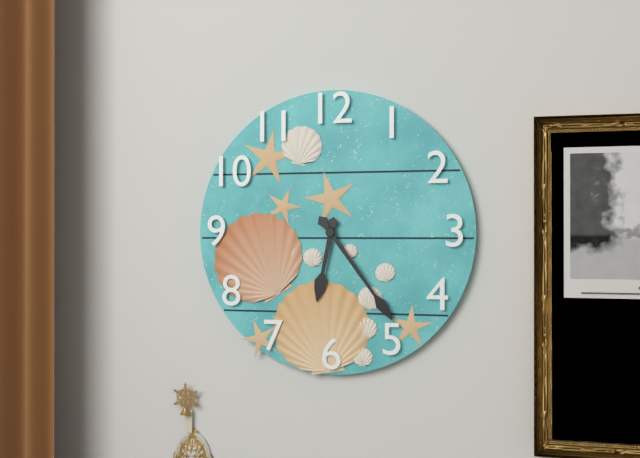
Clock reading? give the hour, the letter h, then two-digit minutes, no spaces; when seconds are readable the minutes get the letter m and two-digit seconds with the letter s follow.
6h24
